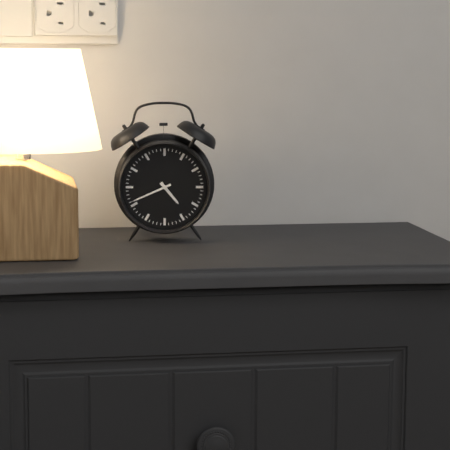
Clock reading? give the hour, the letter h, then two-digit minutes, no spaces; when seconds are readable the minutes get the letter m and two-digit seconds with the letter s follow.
4h41
